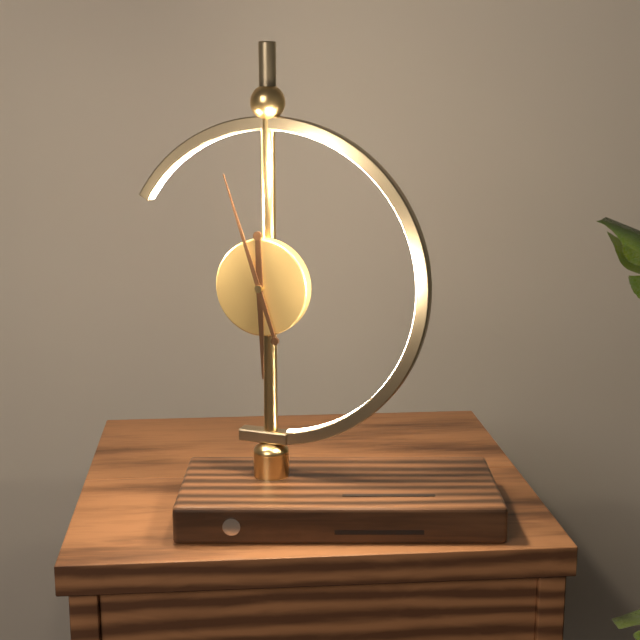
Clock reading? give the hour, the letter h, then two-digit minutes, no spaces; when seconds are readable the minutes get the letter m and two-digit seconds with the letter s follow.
5h57
